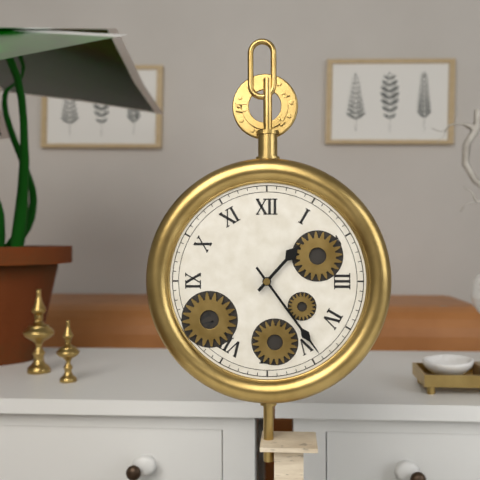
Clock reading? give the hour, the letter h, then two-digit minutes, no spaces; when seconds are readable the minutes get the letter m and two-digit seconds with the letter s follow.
1h24
